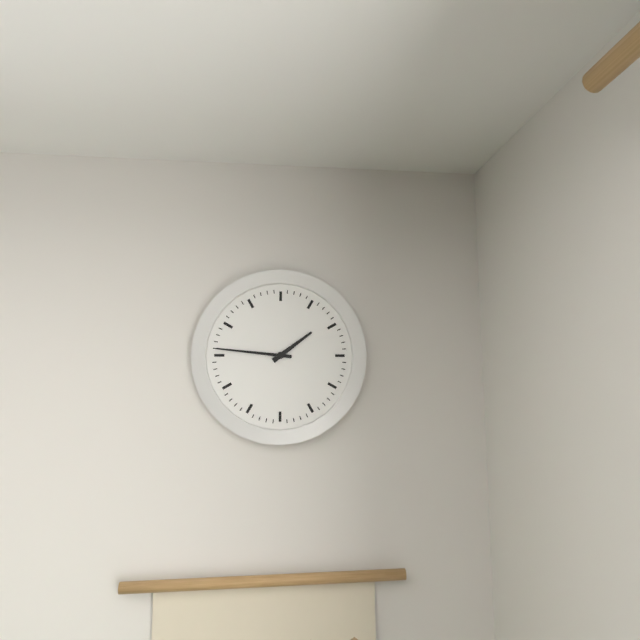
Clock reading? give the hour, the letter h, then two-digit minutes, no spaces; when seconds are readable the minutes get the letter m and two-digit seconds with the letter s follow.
1h46
